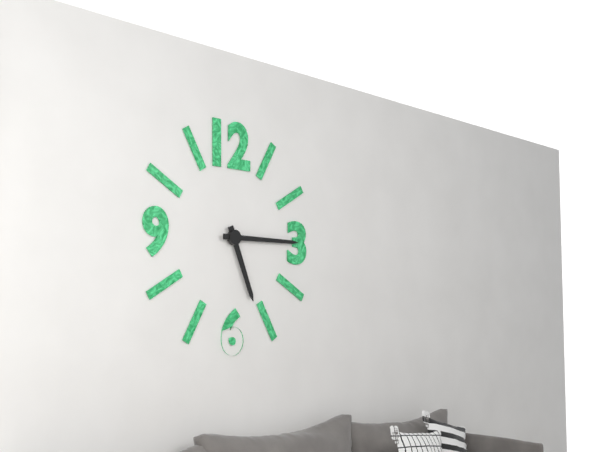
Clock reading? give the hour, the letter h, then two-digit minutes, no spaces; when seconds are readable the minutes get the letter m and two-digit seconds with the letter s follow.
5h15
